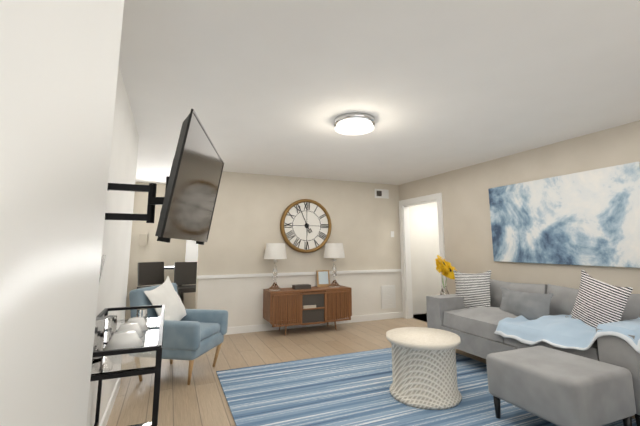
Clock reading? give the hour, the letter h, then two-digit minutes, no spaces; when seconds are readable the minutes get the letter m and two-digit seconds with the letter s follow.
4h56
